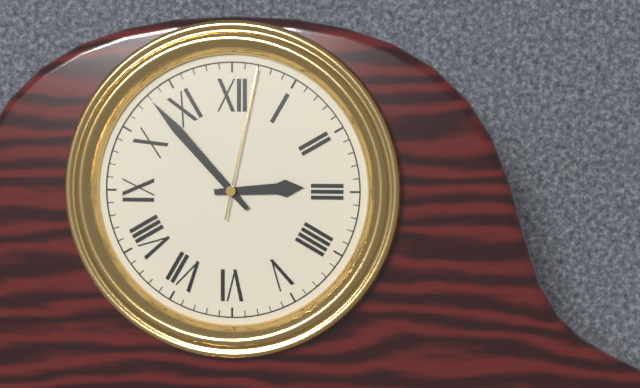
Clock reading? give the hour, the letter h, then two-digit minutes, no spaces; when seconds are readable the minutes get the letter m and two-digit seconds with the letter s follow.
2h53m02s
